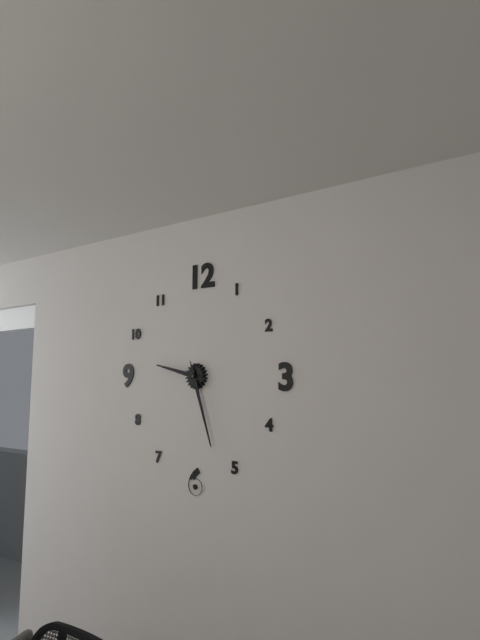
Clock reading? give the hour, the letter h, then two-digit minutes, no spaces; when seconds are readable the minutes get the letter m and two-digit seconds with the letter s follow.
9h27
